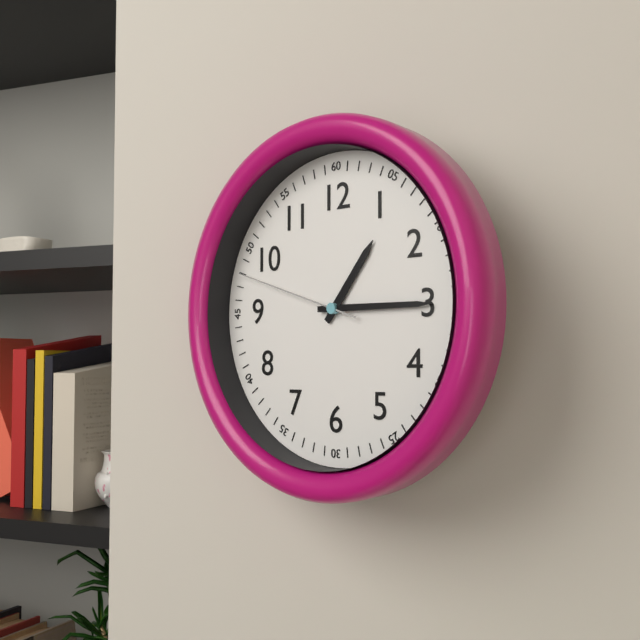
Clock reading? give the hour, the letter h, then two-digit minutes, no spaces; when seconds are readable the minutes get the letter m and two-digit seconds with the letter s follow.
1h15m48s
